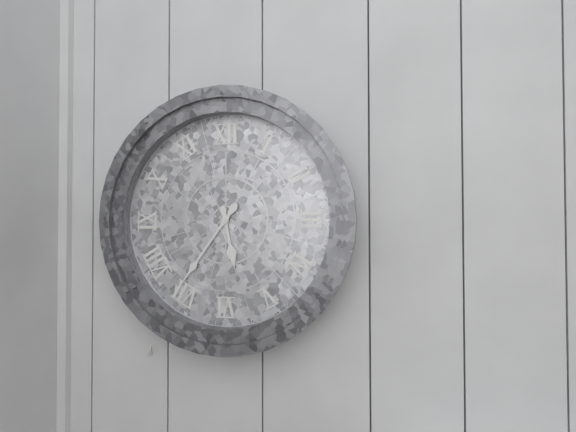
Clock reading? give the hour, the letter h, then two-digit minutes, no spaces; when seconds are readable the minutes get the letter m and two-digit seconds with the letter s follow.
5h36
